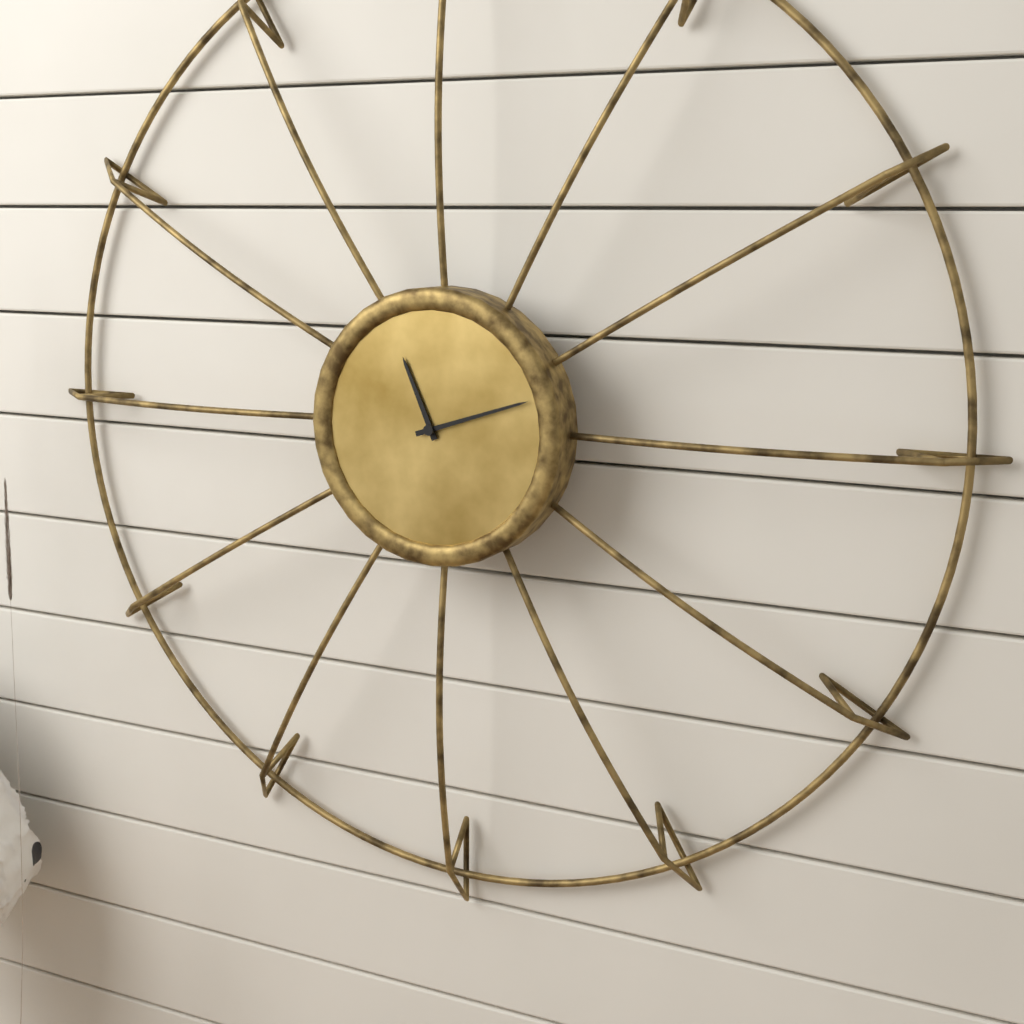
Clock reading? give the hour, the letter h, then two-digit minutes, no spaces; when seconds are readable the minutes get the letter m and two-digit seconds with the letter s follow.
11h12
